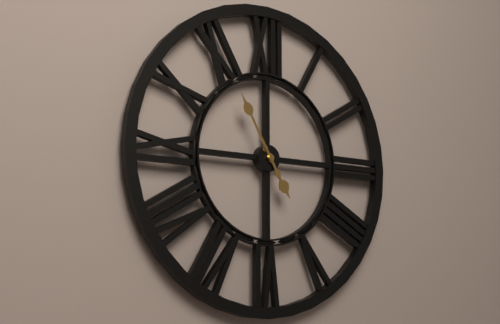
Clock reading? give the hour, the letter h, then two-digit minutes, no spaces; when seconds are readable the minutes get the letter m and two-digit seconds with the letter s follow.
4h55
